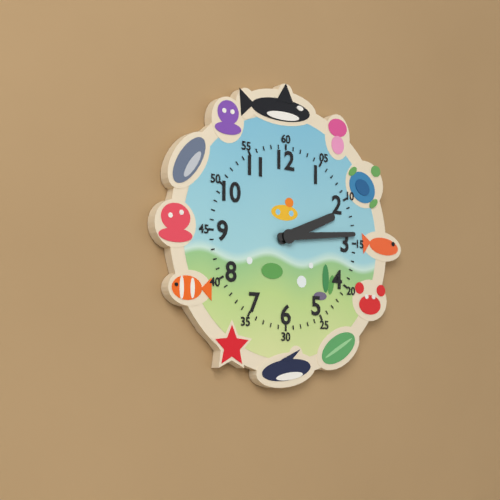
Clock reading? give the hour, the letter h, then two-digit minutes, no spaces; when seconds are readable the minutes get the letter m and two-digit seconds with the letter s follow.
2h14
